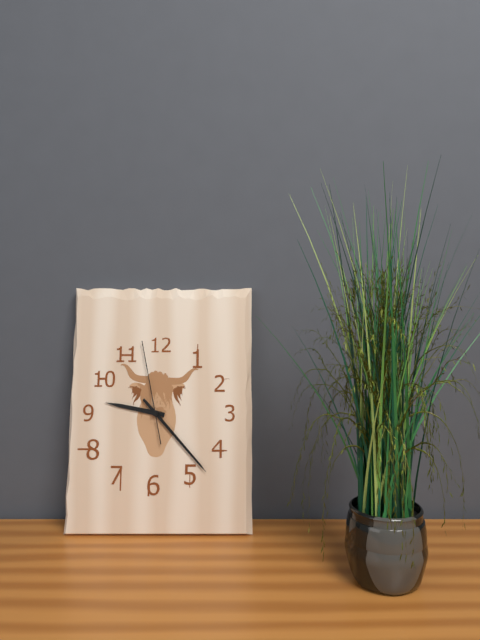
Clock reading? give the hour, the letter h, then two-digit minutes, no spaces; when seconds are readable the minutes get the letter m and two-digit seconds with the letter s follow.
9h23m58s
